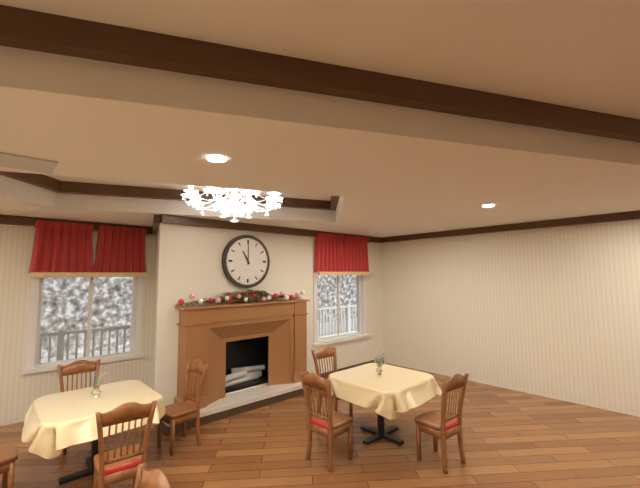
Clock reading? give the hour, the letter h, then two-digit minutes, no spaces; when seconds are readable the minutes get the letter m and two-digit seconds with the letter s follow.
11h00
